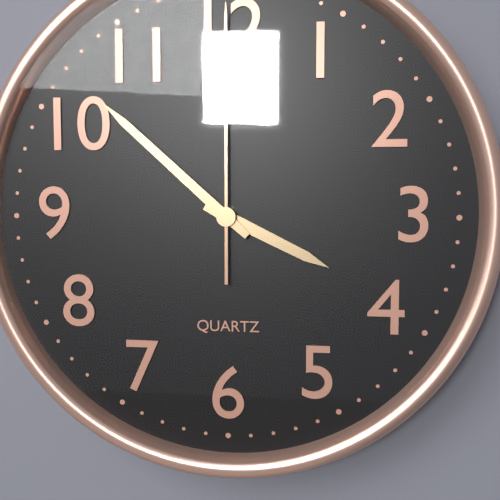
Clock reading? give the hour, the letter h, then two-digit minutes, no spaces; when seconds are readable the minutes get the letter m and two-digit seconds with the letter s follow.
3h52m00s
